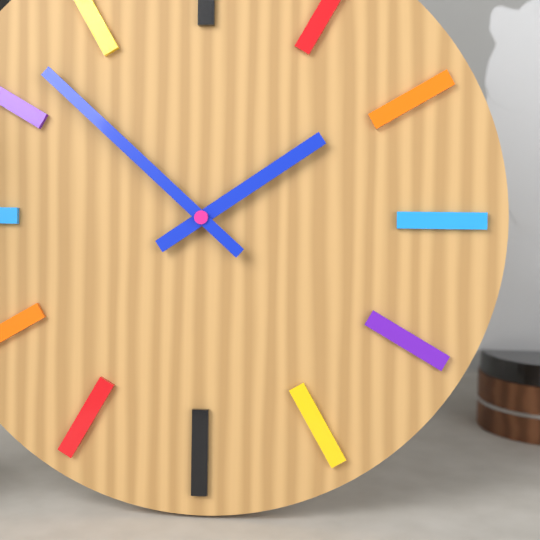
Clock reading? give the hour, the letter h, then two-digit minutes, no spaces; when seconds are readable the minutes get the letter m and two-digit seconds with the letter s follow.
1h52
